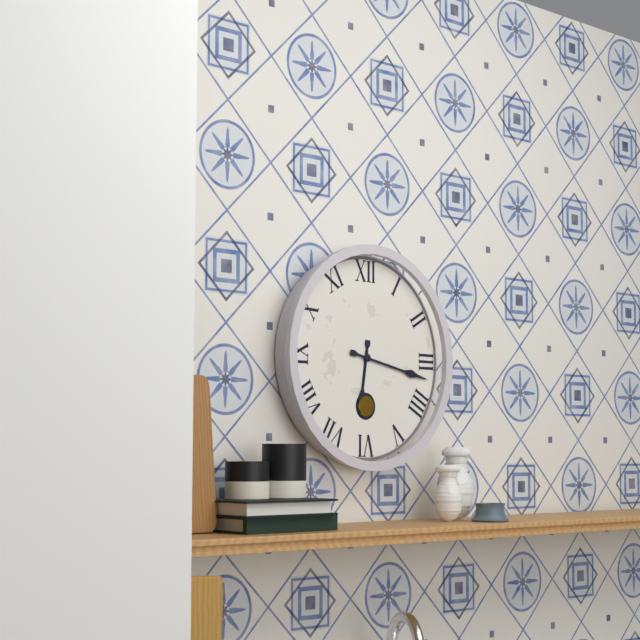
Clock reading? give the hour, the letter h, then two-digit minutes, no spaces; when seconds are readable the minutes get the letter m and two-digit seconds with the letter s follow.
6h17
